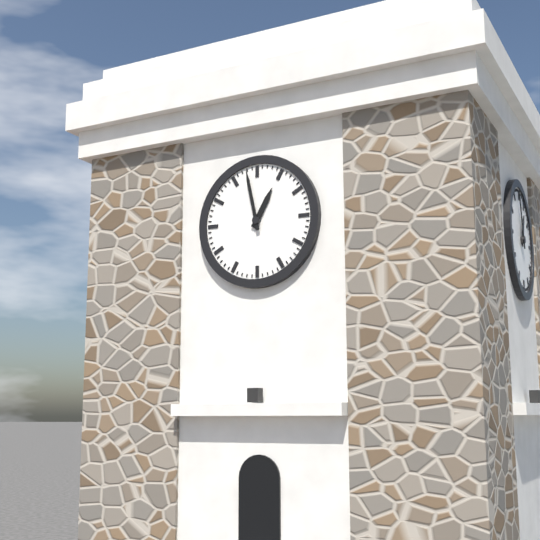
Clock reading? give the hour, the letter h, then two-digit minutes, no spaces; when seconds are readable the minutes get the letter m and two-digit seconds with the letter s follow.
12h58
